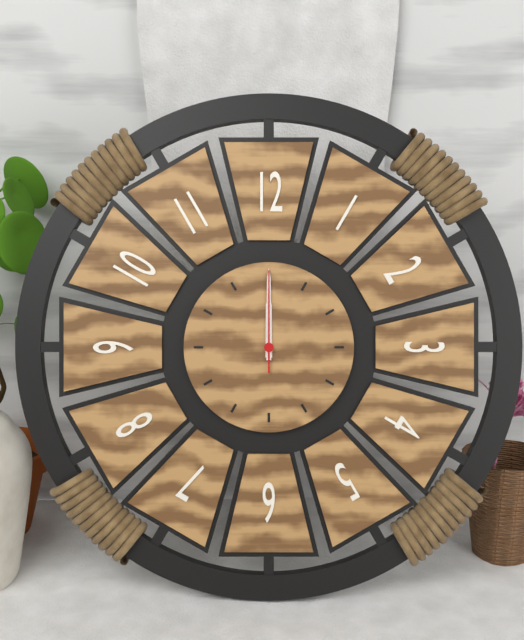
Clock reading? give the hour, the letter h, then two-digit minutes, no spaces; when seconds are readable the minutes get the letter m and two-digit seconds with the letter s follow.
12h00m00s
